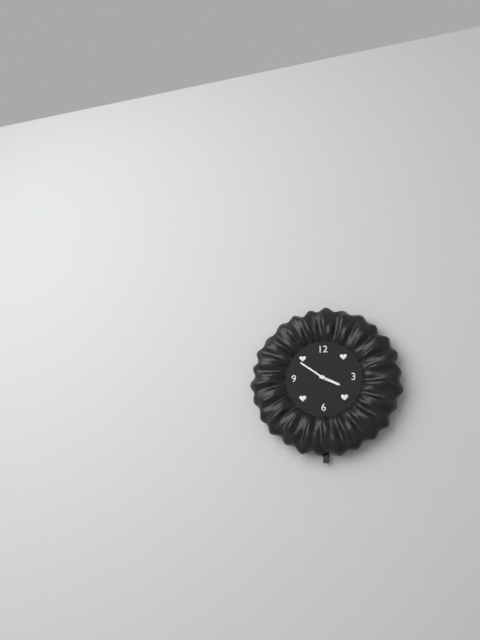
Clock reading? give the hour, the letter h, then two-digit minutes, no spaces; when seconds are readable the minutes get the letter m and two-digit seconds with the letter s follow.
3h51
